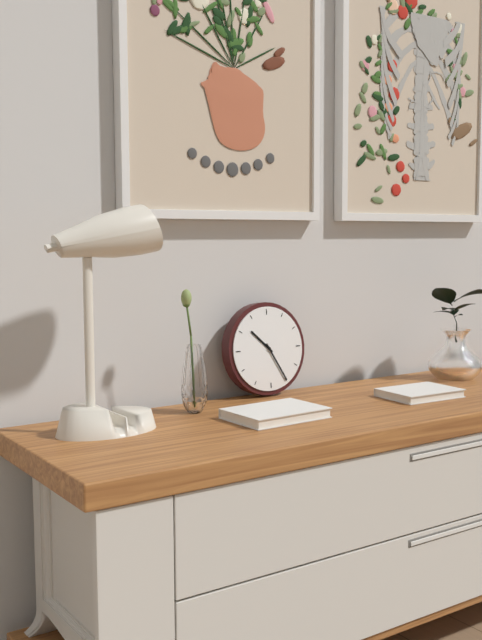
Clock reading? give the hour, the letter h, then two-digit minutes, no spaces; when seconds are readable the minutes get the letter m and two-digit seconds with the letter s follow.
10h25
